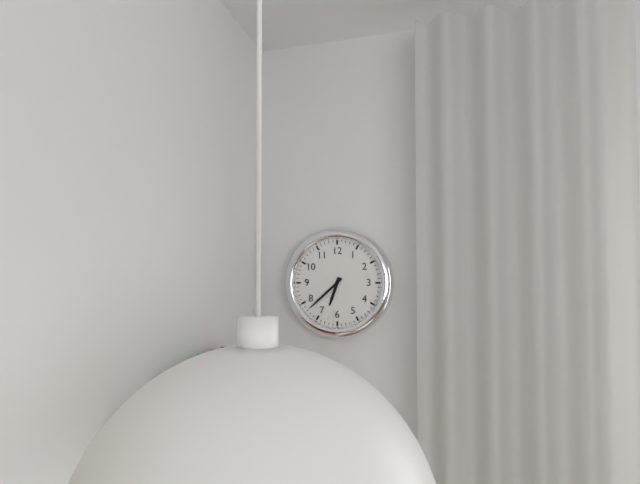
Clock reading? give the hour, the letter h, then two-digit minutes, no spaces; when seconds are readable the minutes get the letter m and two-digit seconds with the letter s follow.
6h38
